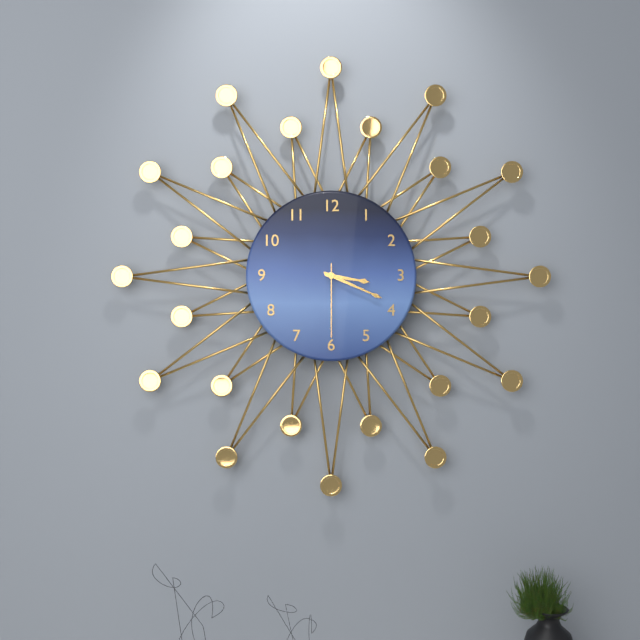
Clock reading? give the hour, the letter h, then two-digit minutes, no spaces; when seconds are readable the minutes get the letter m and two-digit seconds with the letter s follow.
3h19m30s
